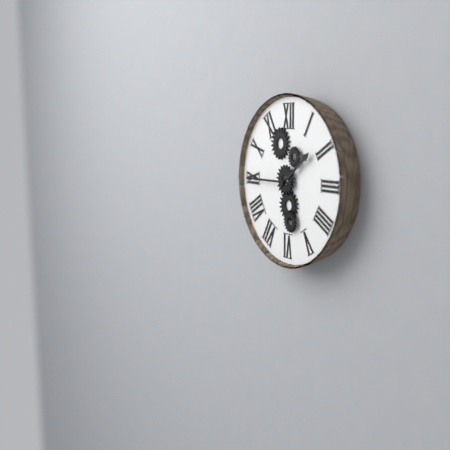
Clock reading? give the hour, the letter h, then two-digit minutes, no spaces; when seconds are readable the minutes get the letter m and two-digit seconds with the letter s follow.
1h45
